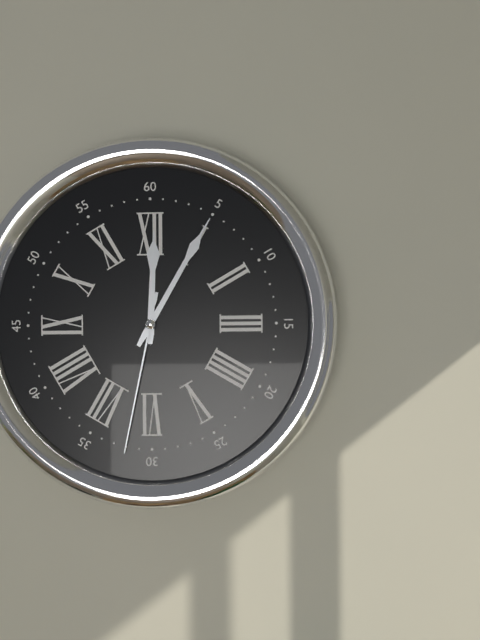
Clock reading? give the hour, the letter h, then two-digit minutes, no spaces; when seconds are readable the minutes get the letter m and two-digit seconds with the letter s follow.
12h05m32s
